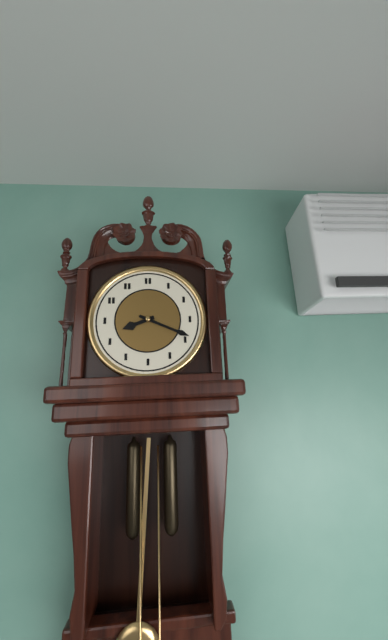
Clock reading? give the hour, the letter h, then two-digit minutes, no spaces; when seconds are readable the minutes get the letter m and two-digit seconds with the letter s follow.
8h19
